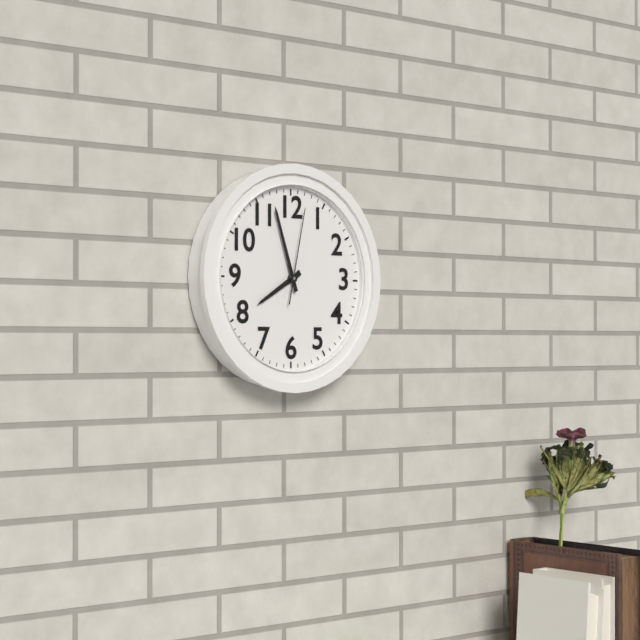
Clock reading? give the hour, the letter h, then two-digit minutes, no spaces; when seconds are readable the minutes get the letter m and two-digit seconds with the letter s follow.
7h57m02s
